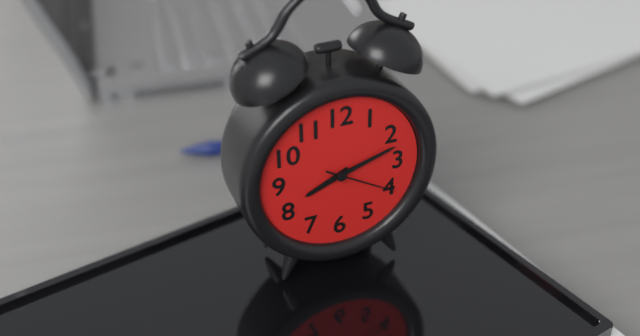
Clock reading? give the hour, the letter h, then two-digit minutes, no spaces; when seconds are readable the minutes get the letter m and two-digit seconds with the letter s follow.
8h12m20s
